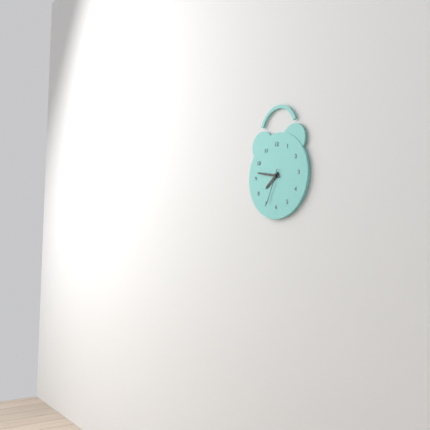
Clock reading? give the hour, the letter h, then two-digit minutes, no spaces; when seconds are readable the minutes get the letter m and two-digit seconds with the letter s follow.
7h47
